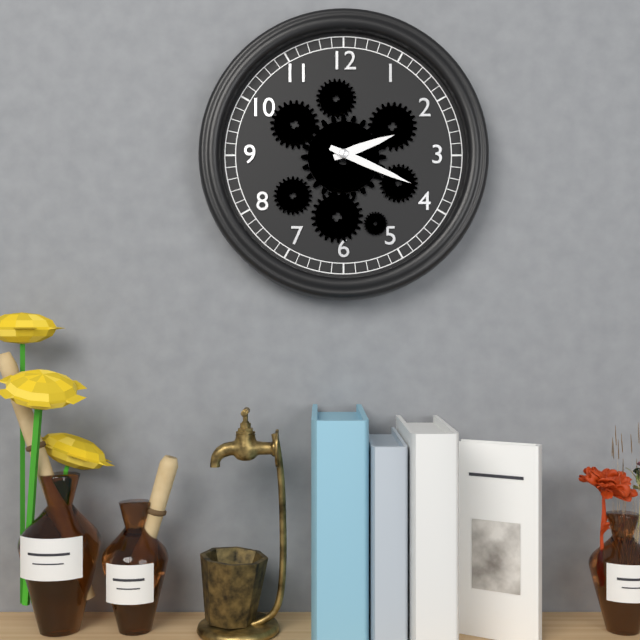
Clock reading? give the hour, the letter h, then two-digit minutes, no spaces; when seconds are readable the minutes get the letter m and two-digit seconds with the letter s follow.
2h19
